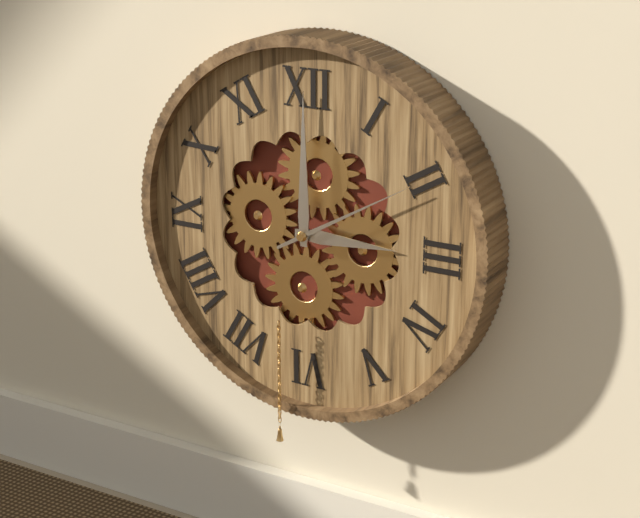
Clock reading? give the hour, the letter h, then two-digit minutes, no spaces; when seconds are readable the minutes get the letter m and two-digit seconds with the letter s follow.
3h00m10s
